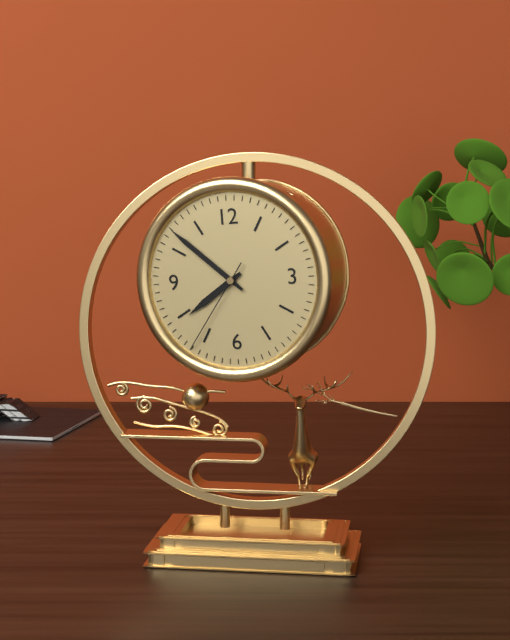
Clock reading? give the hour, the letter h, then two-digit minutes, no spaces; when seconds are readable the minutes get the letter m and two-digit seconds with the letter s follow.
7h52m36s
